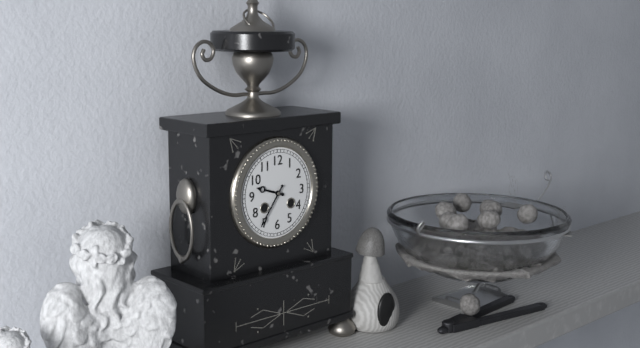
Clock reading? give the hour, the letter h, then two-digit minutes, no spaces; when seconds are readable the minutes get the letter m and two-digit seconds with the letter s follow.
9h36
